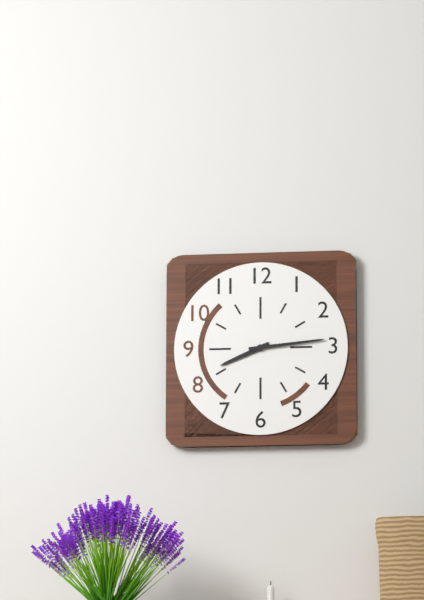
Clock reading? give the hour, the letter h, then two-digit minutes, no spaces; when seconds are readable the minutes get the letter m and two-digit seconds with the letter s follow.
8h14
